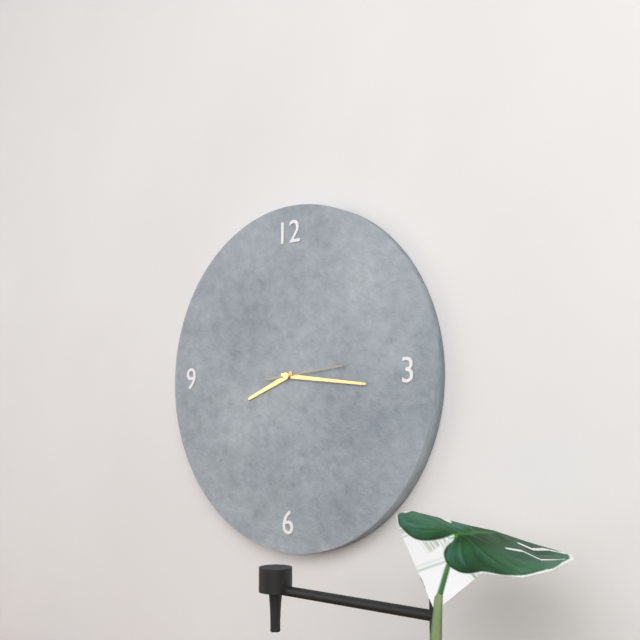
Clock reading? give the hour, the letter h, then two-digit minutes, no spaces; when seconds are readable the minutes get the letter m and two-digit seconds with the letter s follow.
8h16m14s
